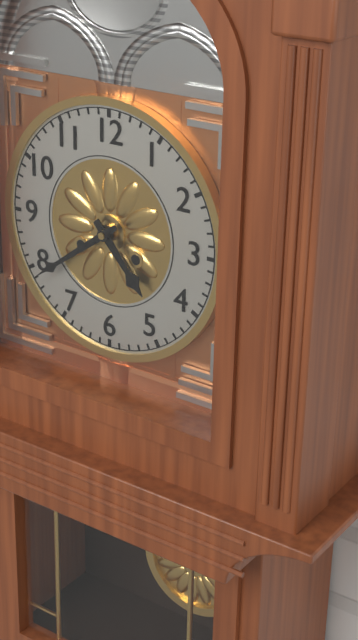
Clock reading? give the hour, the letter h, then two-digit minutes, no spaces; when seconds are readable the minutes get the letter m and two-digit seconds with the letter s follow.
4h39
